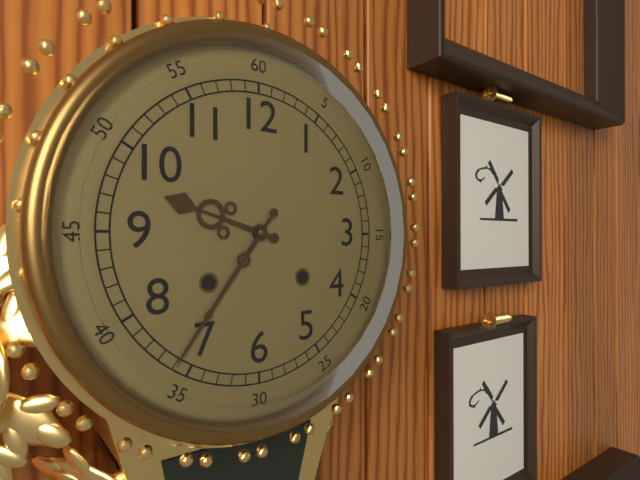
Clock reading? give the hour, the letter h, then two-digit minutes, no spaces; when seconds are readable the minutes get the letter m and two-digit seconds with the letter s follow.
9h36
